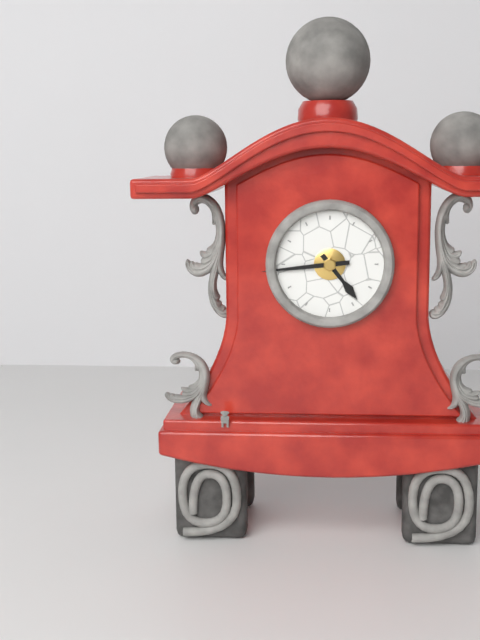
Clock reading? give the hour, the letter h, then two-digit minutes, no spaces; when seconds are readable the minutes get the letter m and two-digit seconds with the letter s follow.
4h44
